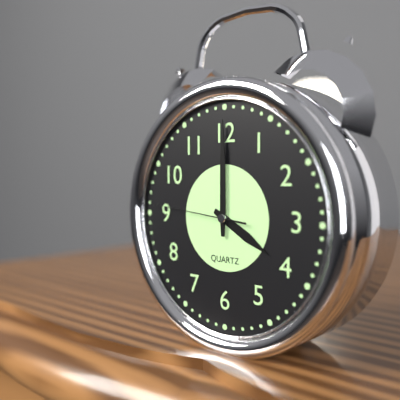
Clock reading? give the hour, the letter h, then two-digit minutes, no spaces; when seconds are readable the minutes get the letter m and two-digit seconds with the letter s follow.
4h00m46s
